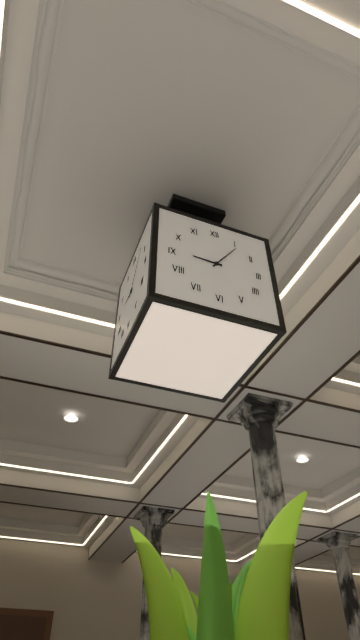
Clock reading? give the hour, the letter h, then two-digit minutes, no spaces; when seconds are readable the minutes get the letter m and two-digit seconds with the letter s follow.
9h06
